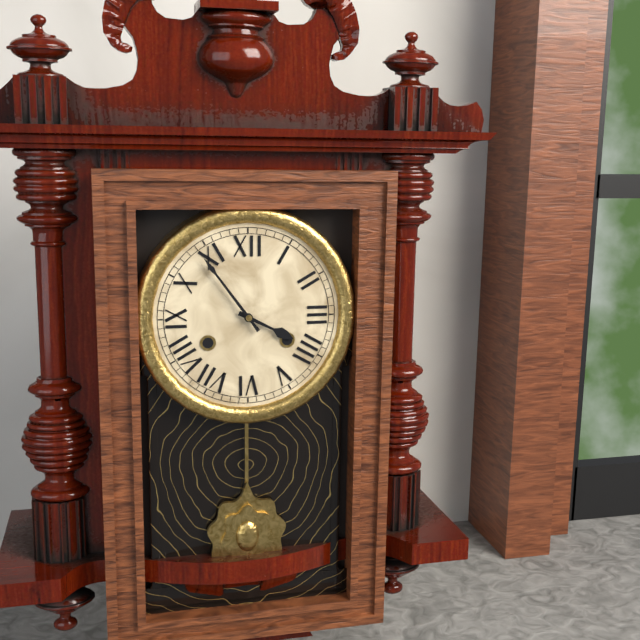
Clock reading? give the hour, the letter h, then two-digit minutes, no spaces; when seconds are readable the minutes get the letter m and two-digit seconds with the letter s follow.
3h54
